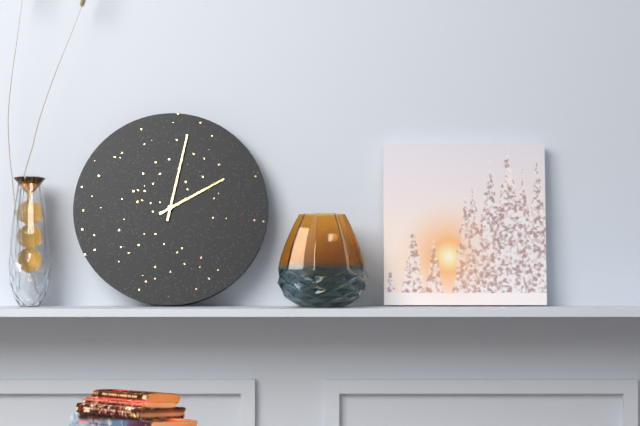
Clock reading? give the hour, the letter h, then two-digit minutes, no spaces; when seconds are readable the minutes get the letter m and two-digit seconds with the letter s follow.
2h02
